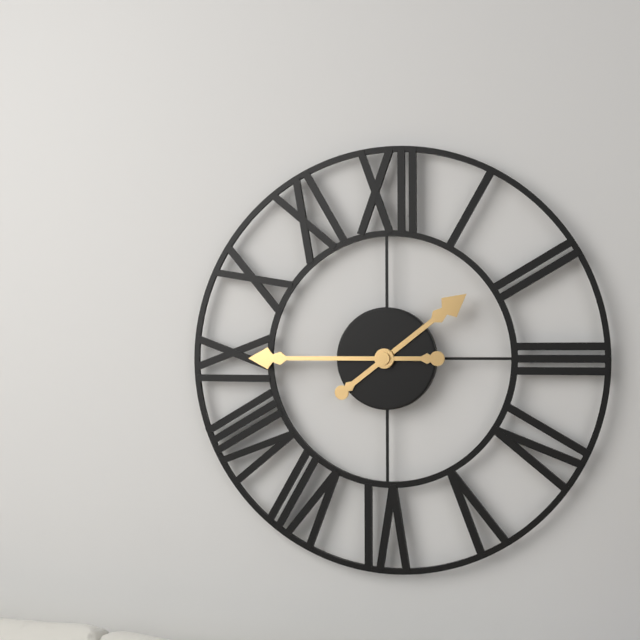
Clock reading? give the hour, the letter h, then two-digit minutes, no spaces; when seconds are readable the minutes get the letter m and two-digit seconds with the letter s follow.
1h45
